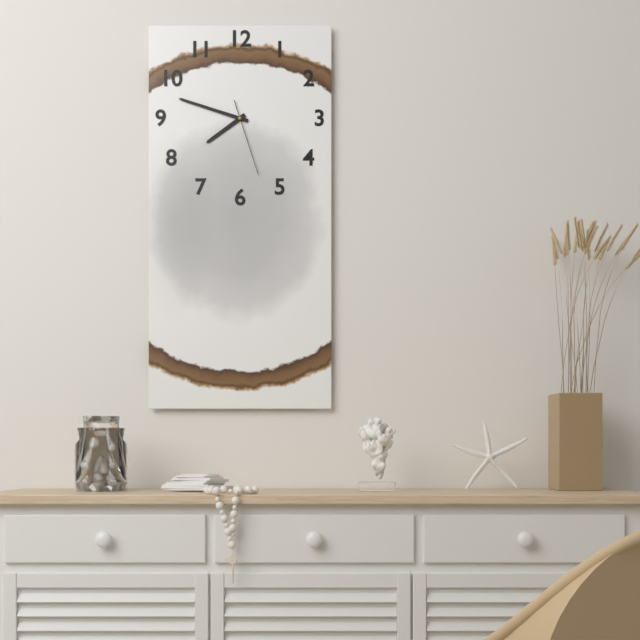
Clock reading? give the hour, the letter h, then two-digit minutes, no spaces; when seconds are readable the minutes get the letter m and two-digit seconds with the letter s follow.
7h48m27s
